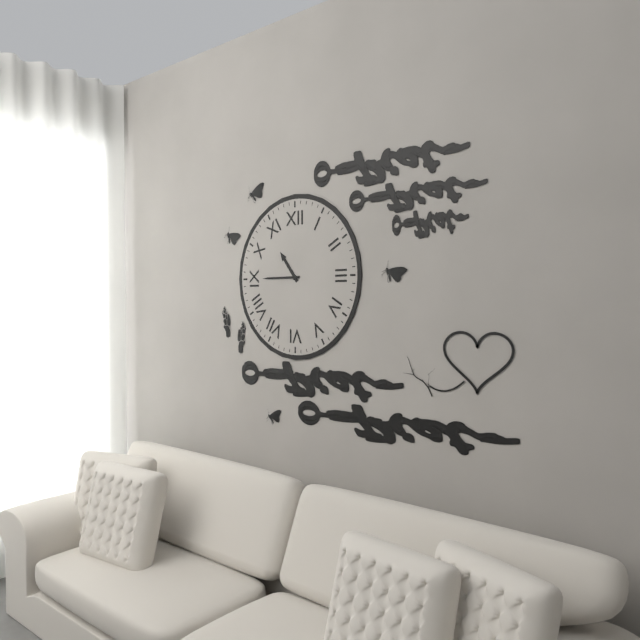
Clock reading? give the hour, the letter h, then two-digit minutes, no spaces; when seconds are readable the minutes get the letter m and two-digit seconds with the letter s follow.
10h45
